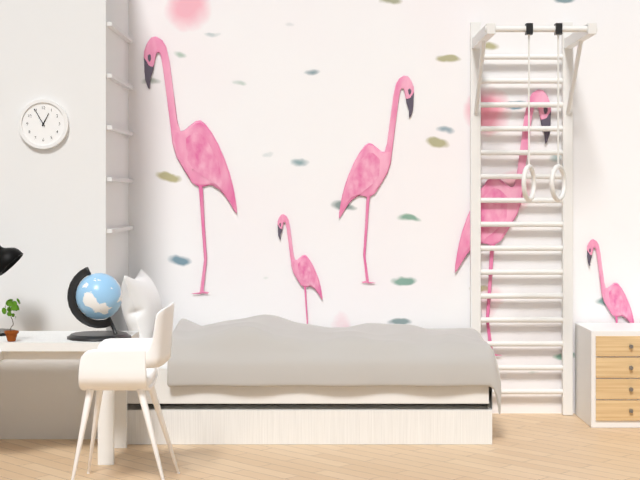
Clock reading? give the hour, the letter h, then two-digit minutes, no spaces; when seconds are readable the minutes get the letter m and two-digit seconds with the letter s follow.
12h55
